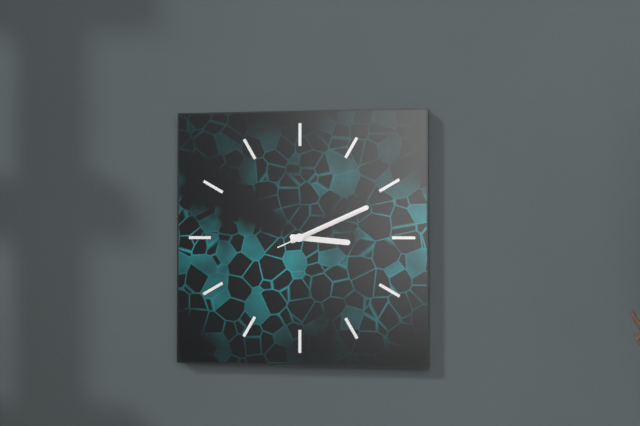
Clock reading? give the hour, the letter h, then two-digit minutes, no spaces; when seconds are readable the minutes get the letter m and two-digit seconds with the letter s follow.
3h11m11s
